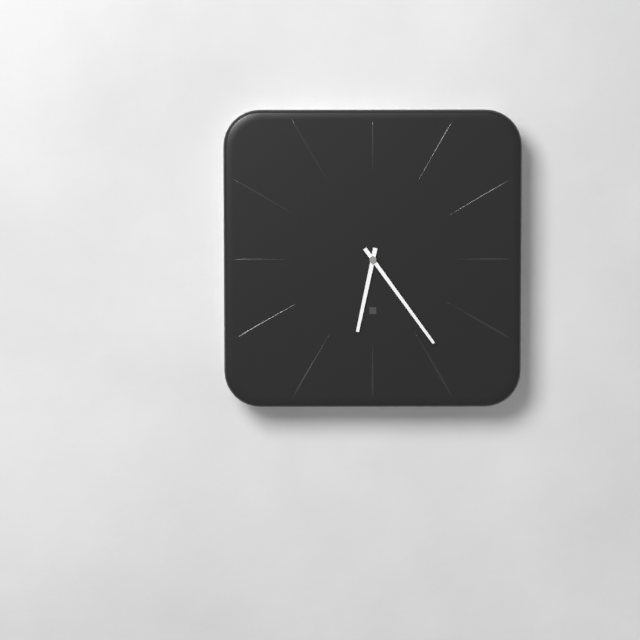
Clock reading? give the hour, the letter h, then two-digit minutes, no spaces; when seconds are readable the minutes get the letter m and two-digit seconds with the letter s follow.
6h24
